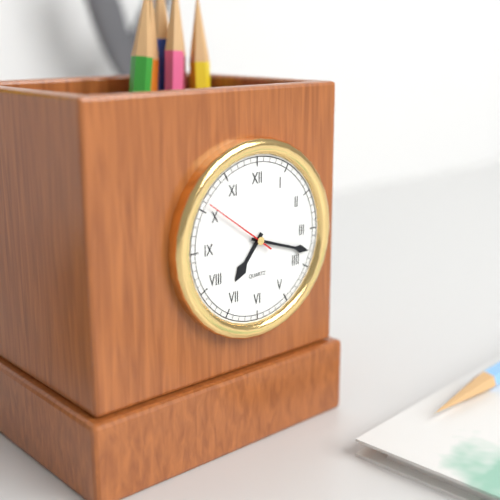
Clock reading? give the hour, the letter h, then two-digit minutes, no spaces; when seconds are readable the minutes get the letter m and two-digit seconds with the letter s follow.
7h18m51s
